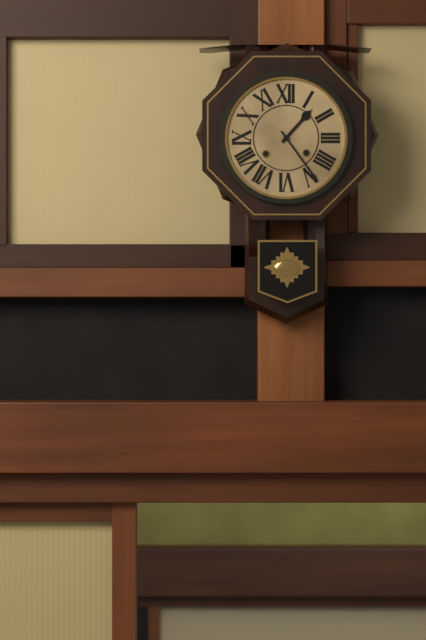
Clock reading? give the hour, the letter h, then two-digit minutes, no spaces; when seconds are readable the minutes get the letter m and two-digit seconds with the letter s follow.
1h24
